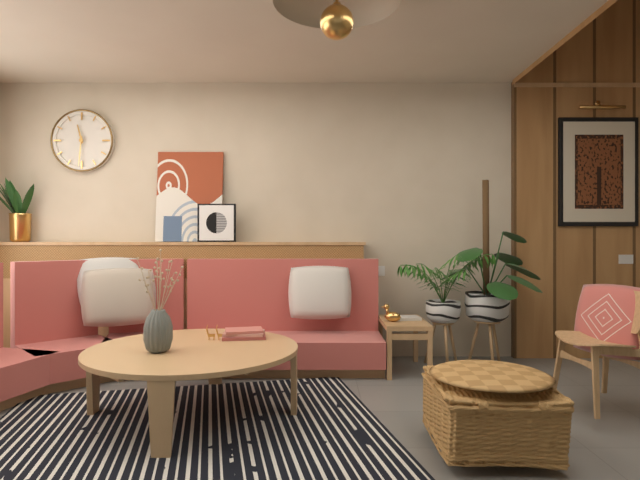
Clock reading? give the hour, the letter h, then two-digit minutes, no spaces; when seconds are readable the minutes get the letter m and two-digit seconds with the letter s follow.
11h31
